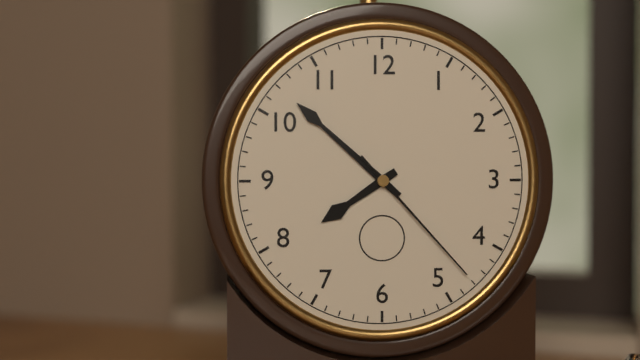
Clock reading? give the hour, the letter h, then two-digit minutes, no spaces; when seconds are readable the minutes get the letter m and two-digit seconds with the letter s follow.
7h52m23s
